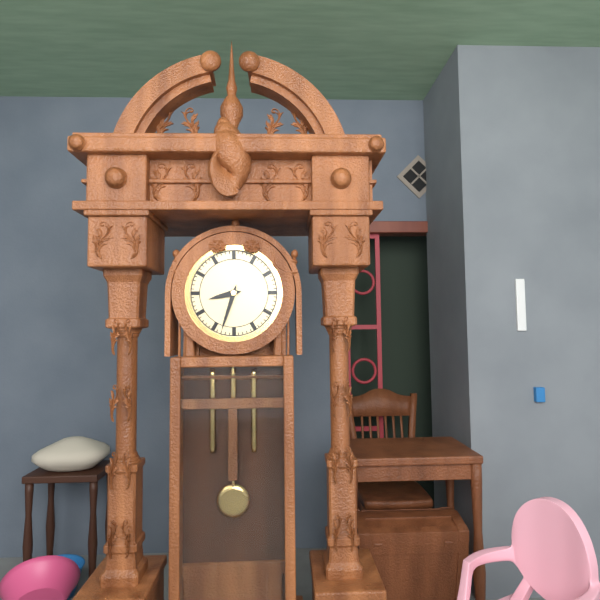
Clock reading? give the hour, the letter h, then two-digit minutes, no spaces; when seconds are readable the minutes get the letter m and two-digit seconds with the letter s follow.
8h33
